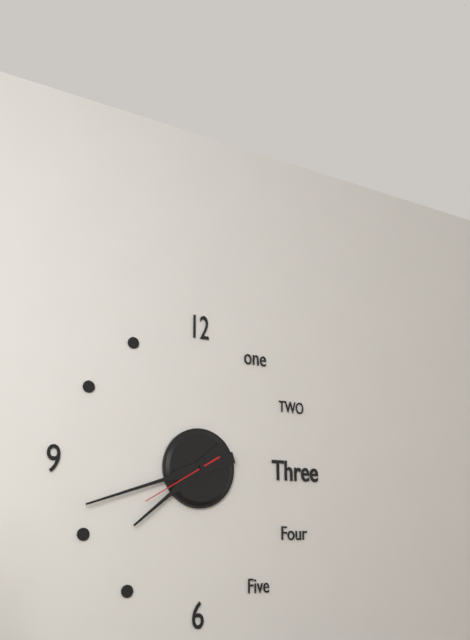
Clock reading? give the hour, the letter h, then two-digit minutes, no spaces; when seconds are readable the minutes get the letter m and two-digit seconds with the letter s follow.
7h42m40s
